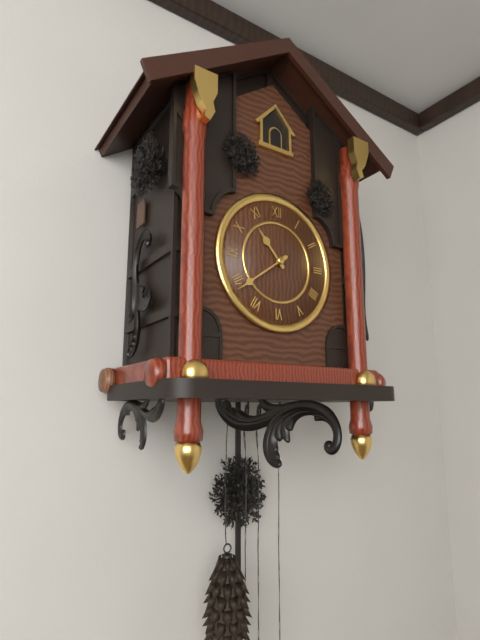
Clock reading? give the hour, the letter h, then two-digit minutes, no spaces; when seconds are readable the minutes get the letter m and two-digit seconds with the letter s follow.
10h39
